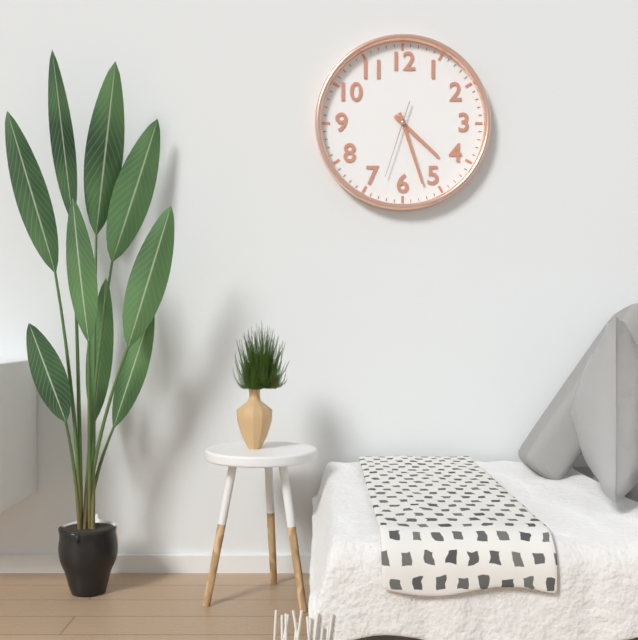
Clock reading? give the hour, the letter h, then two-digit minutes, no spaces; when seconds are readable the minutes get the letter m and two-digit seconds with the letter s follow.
4h27m33s
